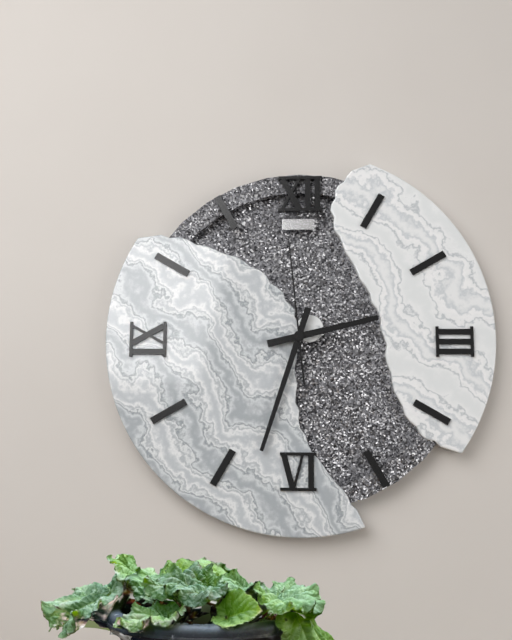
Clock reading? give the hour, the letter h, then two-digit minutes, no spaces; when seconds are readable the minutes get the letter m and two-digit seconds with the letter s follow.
2h33m59s
